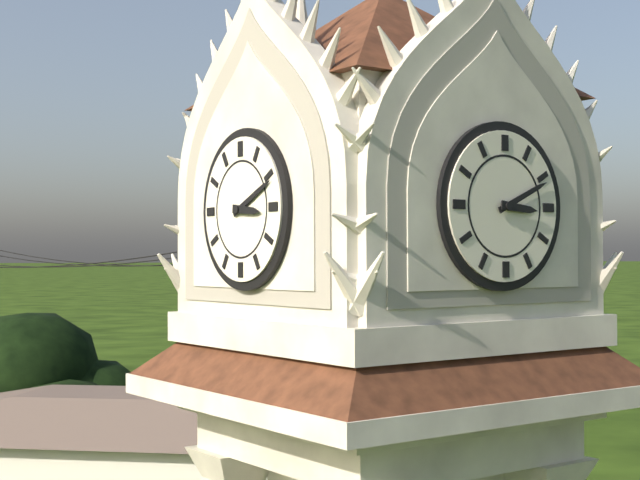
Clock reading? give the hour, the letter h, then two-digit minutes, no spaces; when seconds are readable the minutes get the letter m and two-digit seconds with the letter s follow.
3h11
